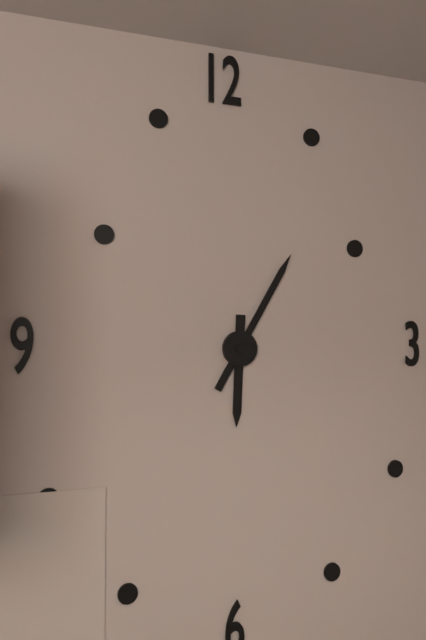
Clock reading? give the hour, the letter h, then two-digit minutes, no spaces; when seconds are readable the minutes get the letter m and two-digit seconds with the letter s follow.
6h05
